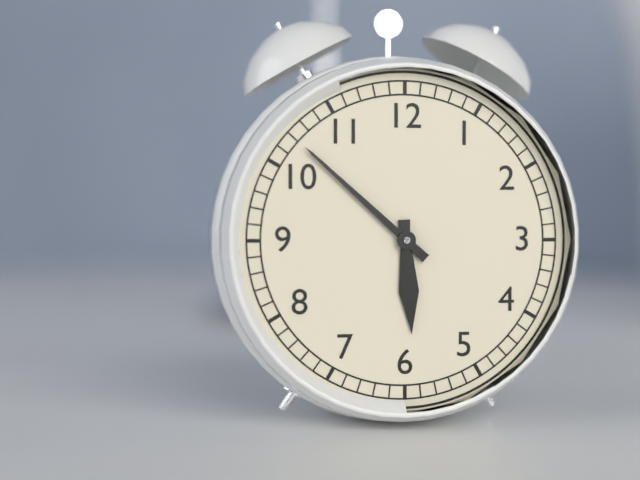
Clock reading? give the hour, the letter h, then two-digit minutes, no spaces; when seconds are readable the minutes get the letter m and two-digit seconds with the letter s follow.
5h52
